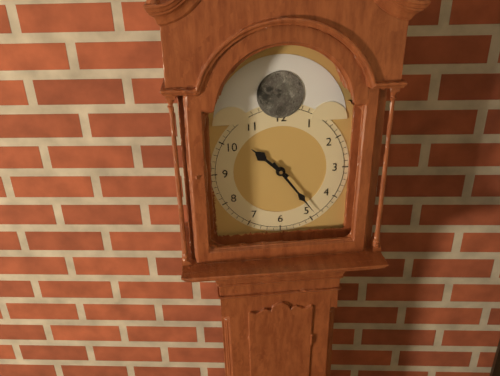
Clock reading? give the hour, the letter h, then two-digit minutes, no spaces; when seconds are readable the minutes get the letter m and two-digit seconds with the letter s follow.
10h24
